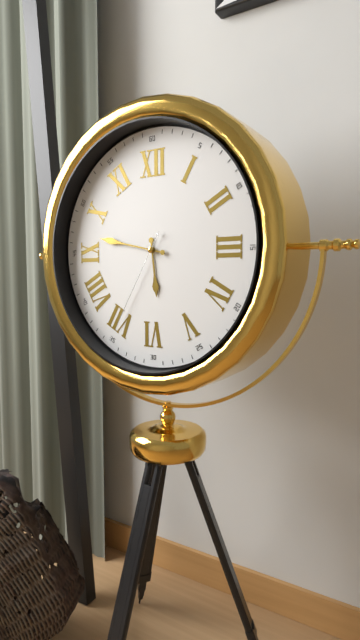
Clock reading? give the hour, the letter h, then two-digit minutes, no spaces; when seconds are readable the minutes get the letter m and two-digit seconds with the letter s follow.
5h47m35s
